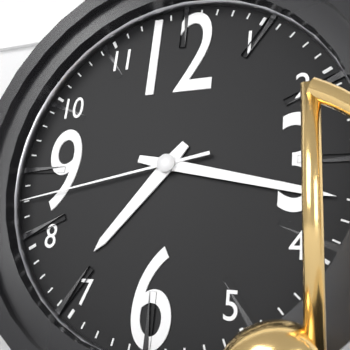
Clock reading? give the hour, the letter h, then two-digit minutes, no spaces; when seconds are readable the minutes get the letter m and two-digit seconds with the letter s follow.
7h17m43s
